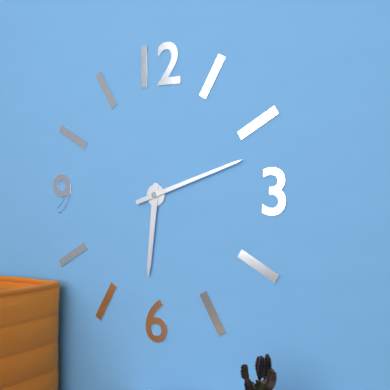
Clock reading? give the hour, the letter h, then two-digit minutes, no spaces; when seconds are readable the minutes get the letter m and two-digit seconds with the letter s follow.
6h12
